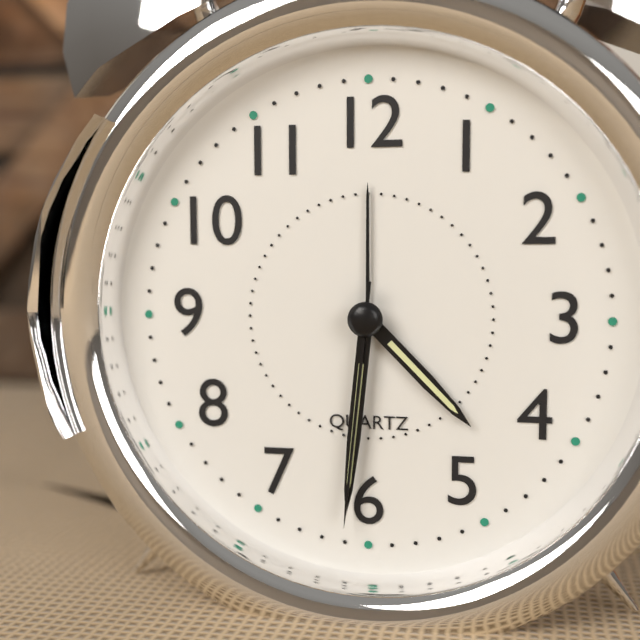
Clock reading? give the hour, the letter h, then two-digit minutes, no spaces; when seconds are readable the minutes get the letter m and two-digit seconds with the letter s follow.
4h31m31s
